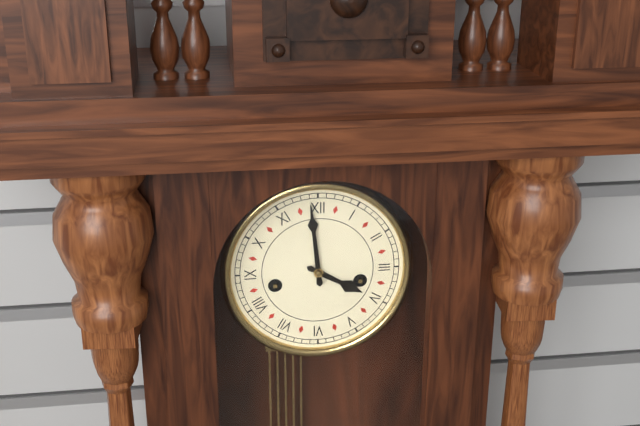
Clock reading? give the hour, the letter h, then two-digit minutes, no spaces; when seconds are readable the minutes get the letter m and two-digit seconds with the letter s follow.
3h59
